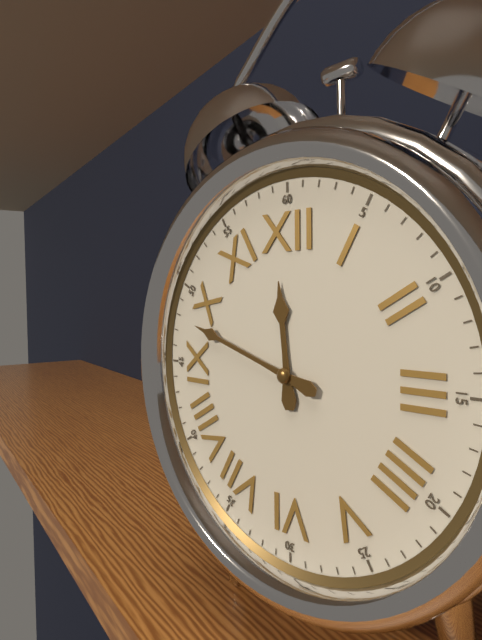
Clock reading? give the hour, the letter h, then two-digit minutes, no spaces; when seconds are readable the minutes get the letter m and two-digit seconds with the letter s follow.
11h48
